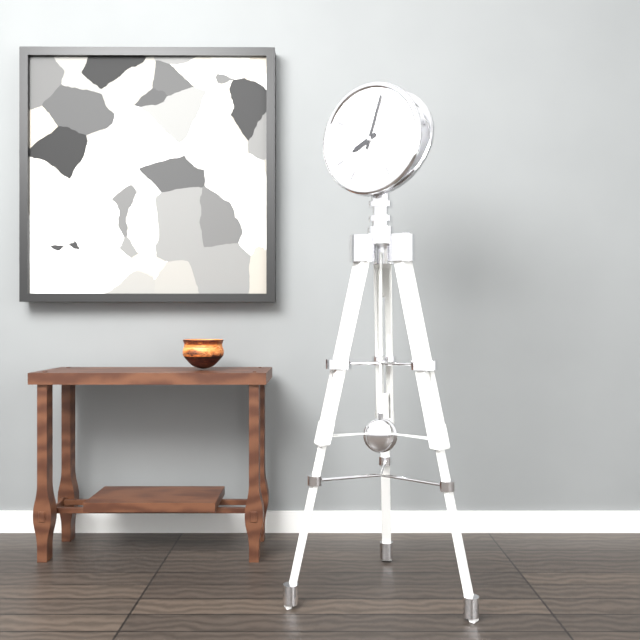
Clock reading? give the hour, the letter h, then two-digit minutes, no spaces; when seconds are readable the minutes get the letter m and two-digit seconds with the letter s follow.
8h03
